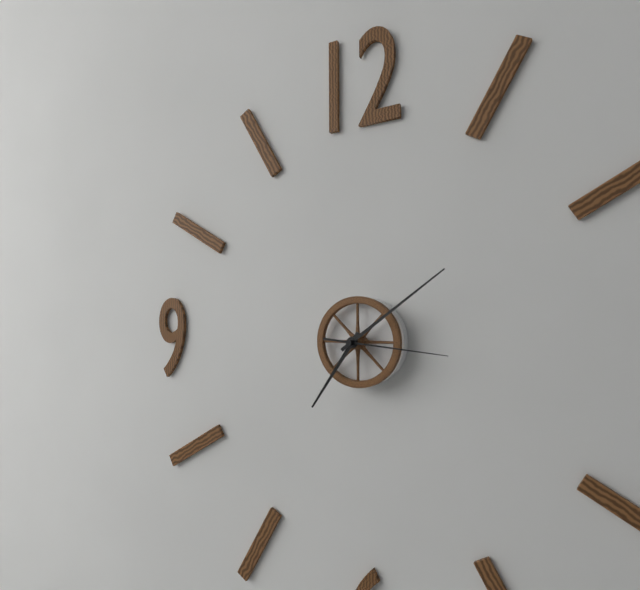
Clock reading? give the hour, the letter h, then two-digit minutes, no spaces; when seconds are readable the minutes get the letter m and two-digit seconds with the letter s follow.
7h09m16s
